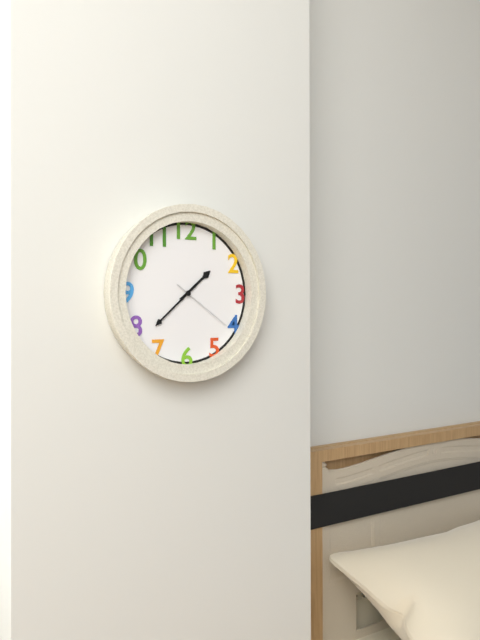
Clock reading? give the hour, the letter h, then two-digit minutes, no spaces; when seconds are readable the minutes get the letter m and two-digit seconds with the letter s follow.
1h38m21s
